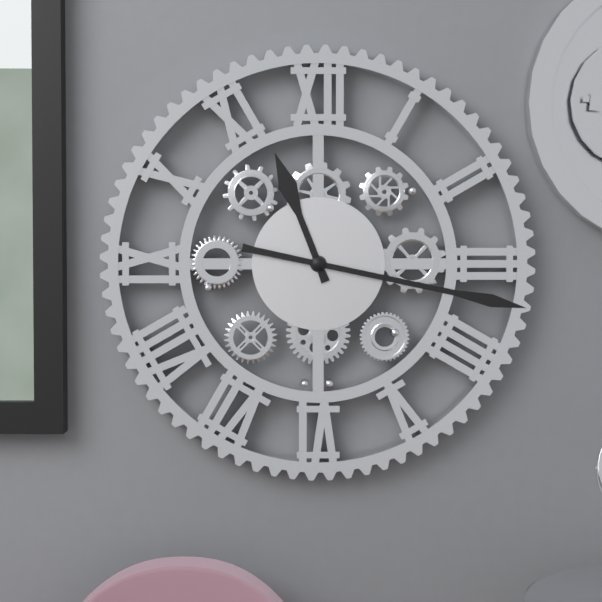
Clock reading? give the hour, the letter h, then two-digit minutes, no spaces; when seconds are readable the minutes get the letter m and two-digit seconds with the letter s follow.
11h17
